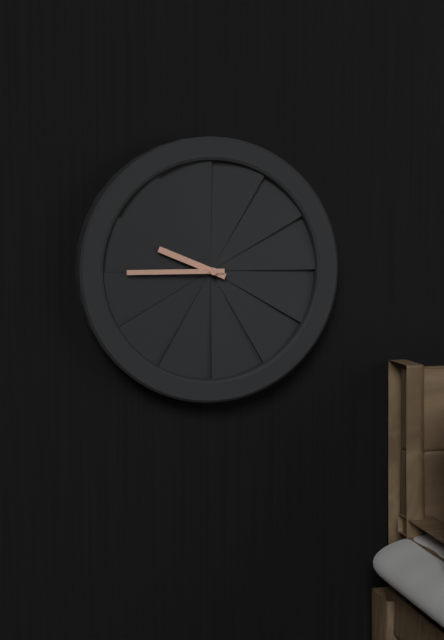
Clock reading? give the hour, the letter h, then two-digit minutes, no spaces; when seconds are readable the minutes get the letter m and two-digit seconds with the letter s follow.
9h45
